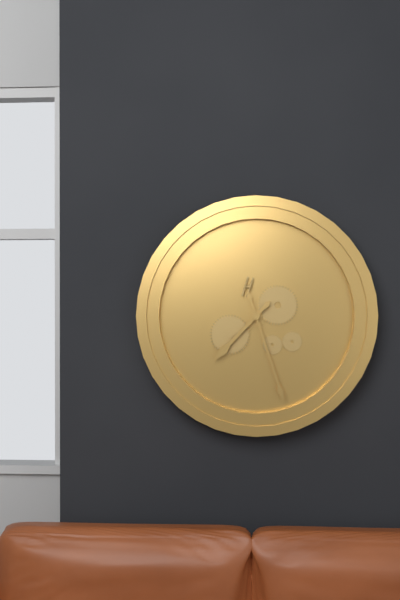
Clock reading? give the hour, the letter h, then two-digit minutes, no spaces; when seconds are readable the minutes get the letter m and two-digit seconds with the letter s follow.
7h27
